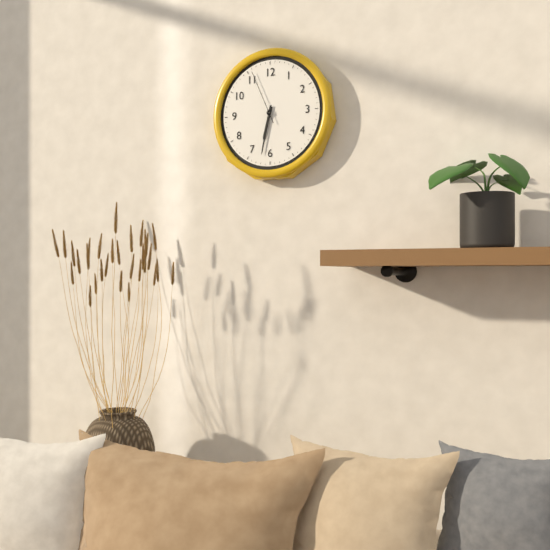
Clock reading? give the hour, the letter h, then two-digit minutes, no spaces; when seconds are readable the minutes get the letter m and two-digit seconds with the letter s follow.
6h32m56s
